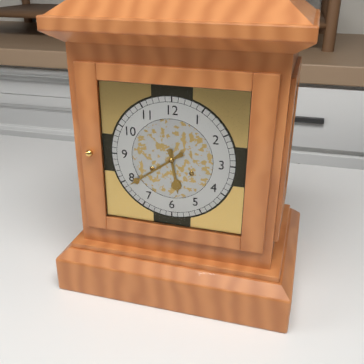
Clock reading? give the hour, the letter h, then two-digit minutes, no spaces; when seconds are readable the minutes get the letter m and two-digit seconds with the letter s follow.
5h39
